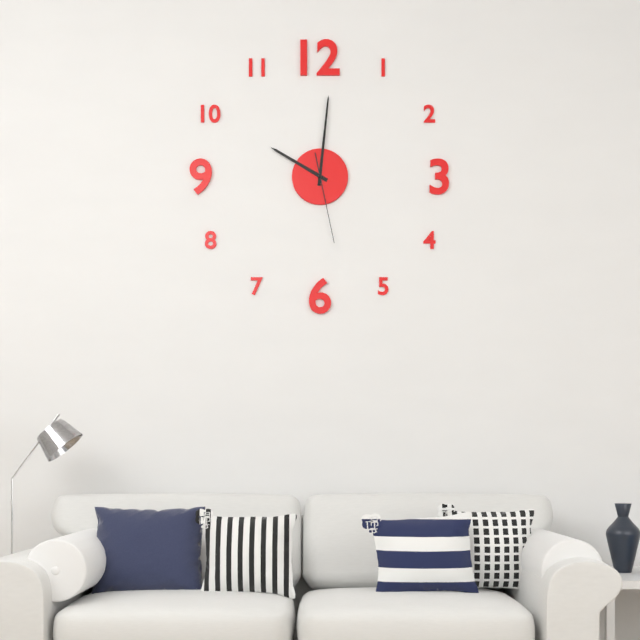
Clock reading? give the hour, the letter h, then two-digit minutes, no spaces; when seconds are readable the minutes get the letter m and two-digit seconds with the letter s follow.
10h01m28s
